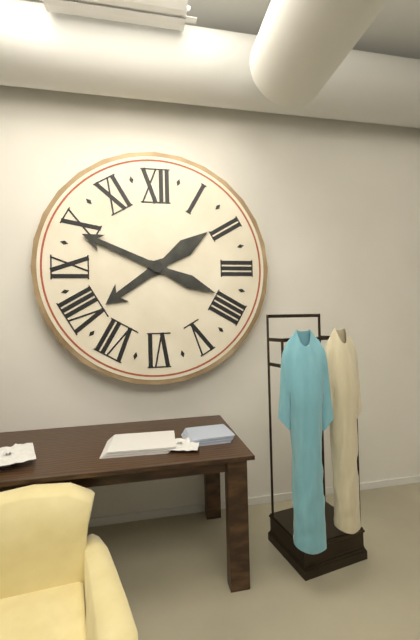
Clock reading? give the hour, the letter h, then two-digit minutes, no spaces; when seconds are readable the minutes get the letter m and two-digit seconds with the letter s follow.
7h49
